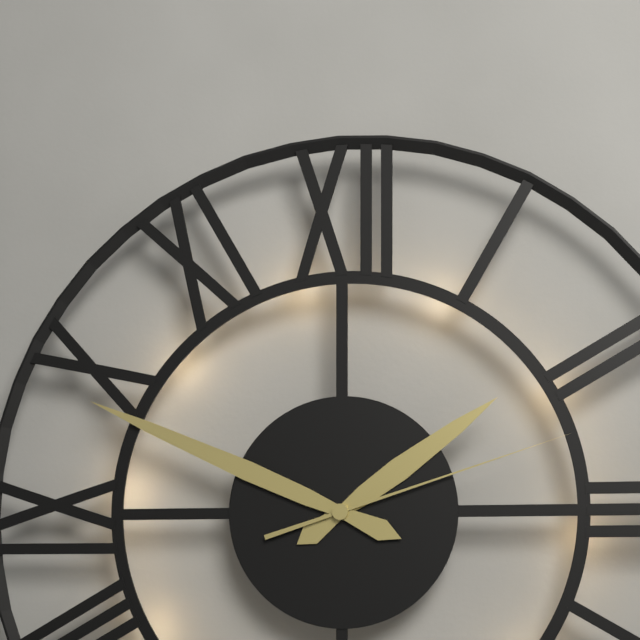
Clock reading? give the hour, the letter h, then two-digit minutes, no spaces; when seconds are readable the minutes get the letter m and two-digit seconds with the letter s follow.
1h49m12s
